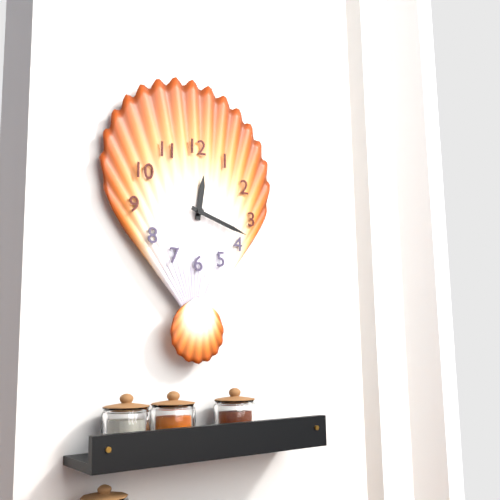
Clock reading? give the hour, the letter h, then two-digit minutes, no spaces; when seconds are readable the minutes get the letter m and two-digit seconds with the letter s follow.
12h18
